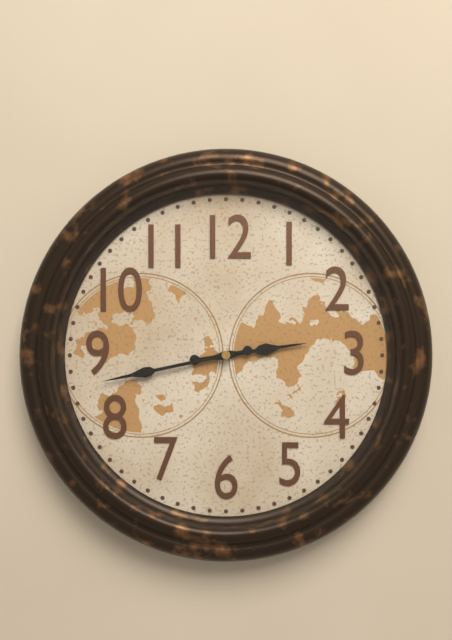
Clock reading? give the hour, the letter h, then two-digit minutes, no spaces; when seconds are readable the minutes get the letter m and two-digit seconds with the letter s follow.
2h43
